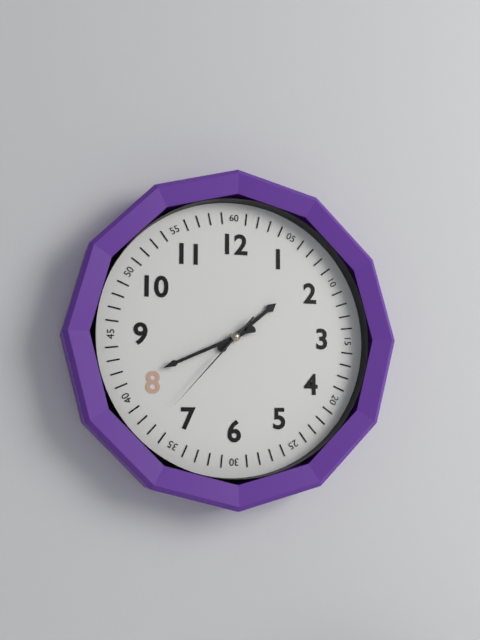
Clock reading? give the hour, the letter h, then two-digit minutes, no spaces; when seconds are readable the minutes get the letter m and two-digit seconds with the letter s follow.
1h41m37s
